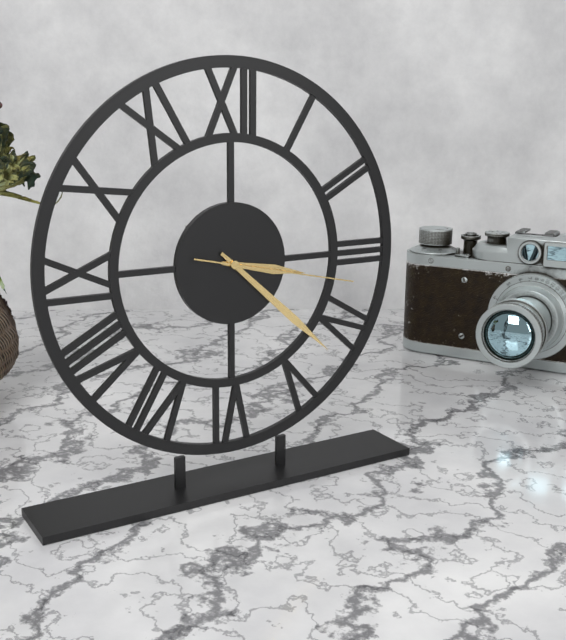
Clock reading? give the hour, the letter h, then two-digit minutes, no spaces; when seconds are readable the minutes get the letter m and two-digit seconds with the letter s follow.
3h22m17s
